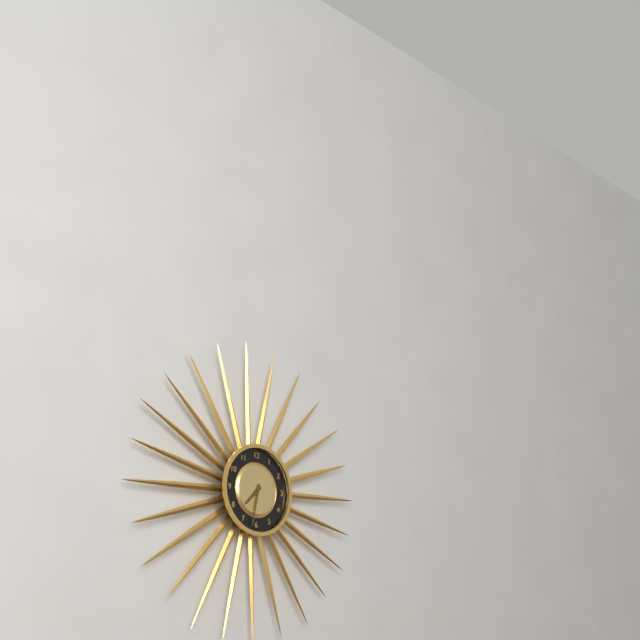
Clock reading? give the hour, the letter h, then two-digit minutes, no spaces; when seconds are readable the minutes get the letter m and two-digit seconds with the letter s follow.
7h32
